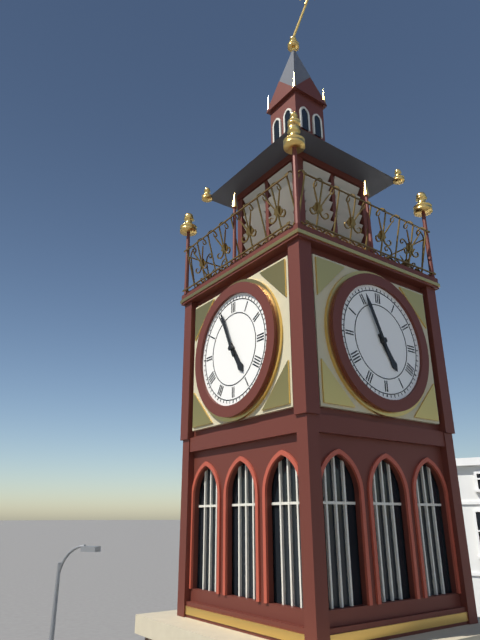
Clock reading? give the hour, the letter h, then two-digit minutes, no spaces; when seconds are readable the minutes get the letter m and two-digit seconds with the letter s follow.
4h56
